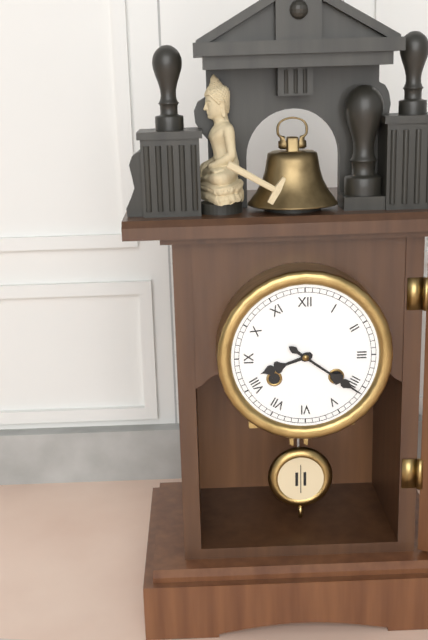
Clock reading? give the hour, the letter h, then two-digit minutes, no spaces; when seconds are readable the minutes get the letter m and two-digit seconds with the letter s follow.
8h21
